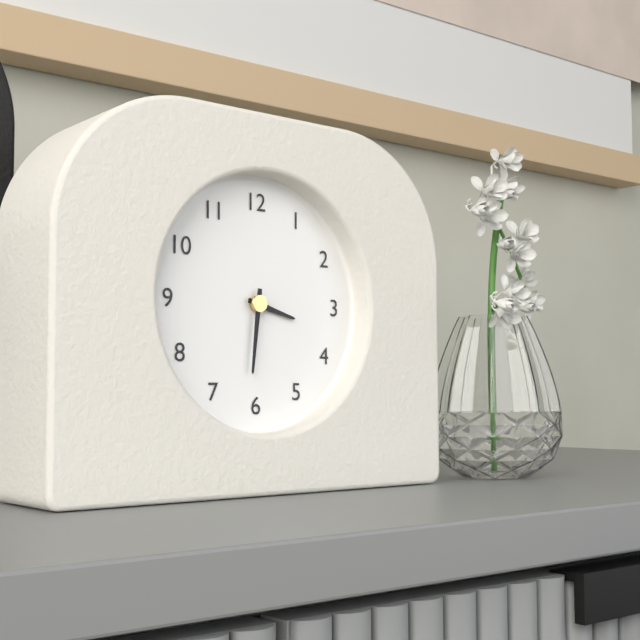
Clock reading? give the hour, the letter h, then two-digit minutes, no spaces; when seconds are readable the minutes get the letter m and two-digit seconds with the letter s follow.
3h31
